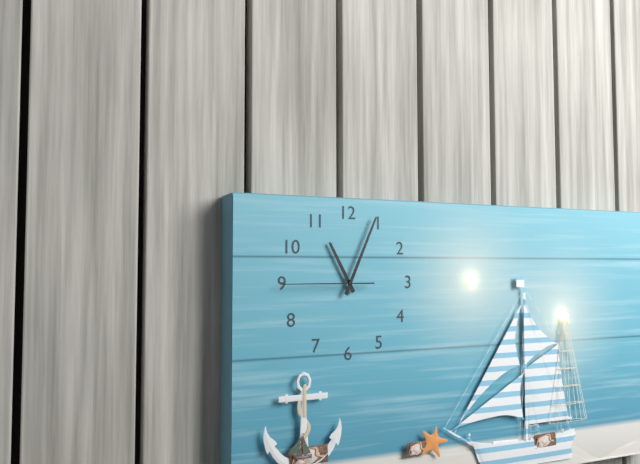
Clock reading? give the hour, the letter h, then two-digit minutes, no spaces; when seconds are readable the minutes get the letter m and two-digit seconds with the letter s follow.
11h04m45s
